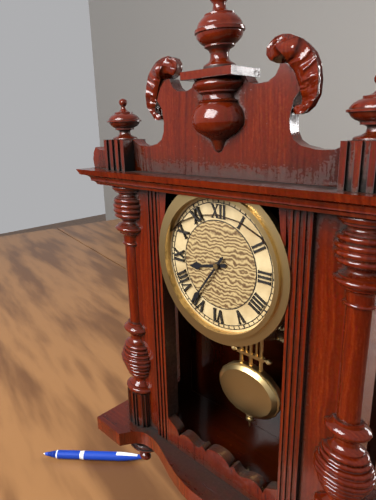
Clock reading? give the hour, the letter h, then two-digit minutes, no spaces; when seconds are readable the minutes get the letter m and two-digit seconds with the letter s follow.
8h36
